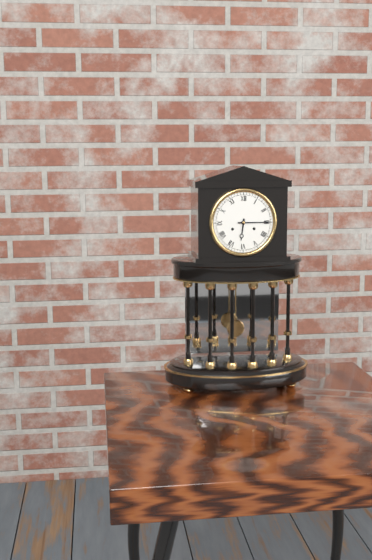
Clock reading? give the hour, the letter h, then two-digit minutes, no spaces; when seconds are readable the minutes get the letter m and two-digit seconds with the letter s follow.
6h15
